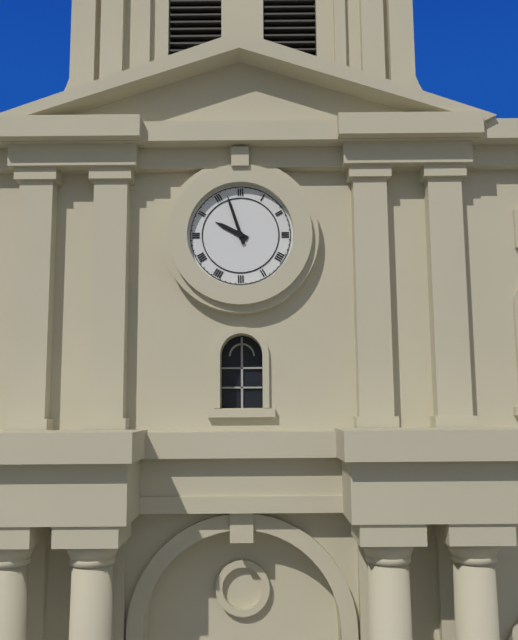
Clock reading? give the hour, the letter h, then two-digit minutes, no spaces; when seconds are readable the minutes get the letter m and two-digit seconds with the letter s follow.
9h57
